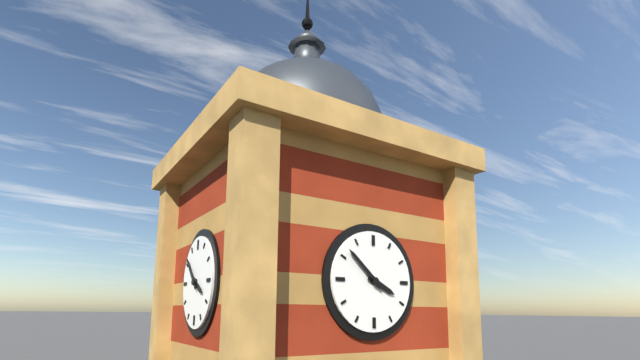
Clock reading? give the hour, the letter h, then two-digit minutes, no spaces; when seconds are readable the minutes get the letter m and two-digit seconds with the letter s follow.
3h52
